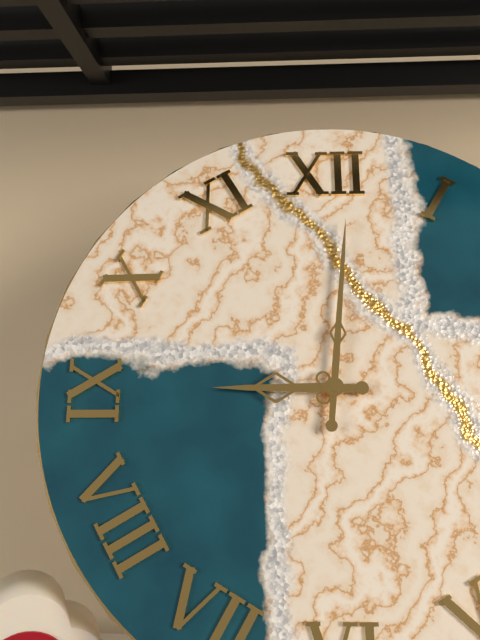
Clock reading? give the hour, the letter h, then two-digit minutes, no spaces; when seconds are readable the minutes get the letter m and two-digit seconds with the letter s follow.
9h01
